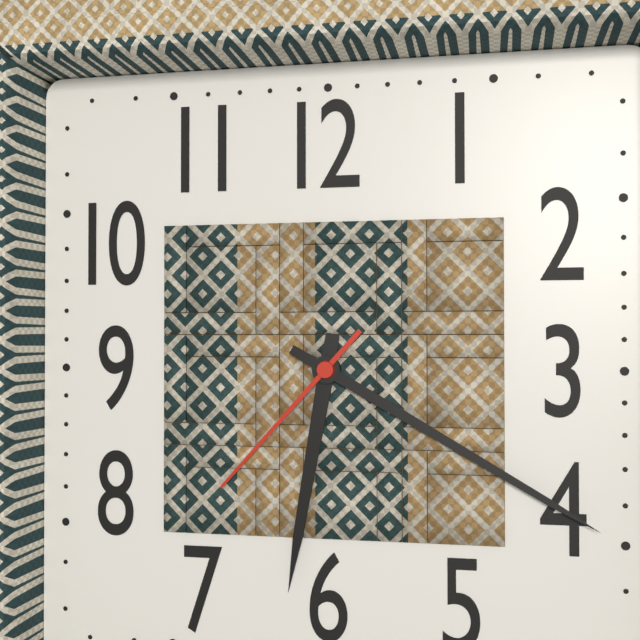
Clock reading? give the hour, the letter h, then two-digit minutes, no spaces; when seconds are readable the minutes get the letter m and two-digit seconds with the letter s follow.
6h20m37s
